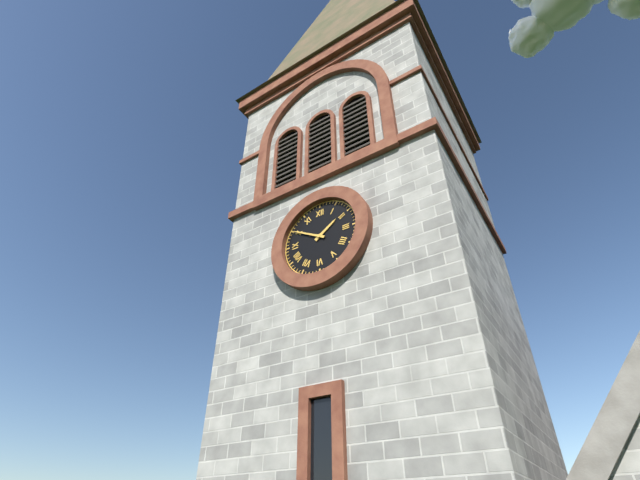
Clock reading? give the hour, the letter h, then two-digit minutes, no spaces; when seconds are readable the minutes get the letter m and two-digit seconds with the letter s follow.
1h50
